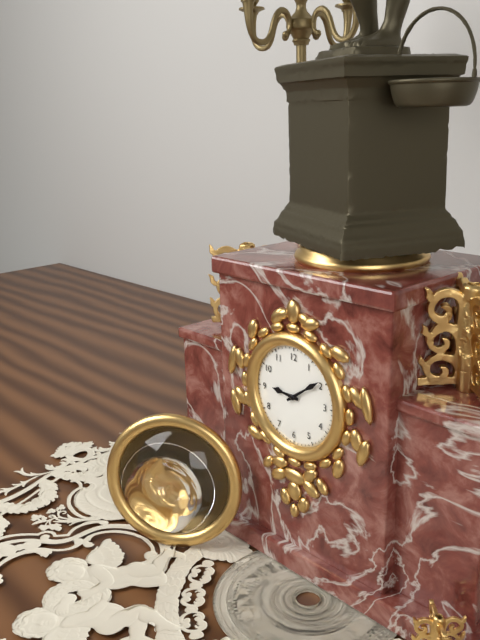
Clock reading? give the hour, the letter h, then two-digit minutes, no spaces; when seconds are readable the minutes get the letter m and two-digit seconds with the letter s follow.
9h09
